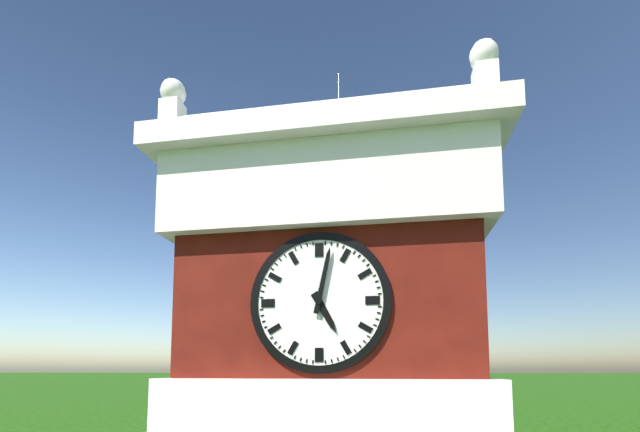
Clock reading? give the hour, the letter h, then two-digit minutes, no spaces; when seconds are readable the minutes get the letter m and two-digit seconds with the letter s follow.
5h02
